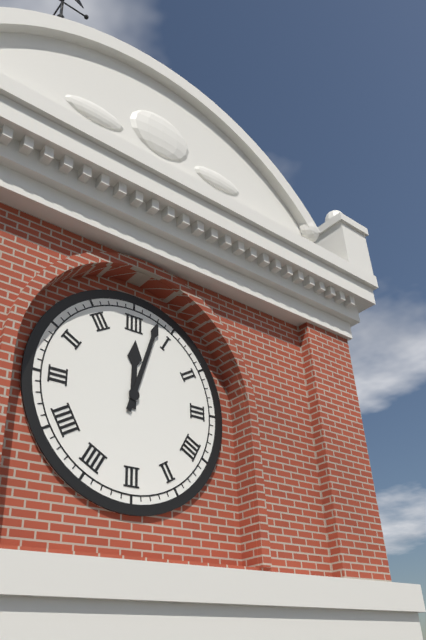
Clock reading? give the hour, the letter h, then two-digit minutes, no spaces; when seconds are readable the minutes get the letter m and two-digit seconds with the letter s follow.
12h03
